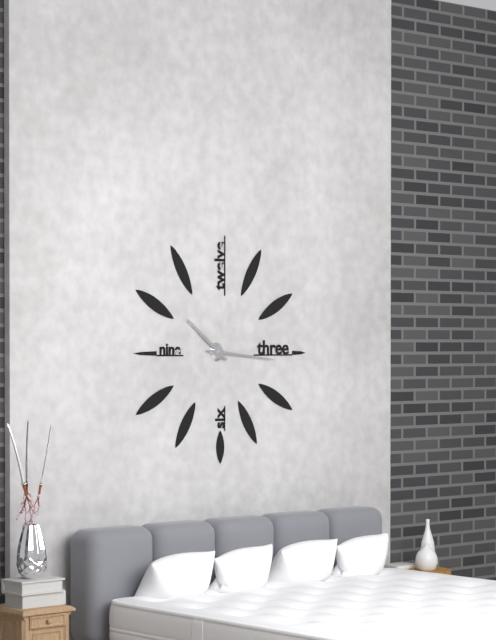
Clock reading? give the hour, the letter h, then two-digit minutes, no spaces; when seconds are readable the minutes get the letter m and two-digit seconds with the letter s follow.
10h16
